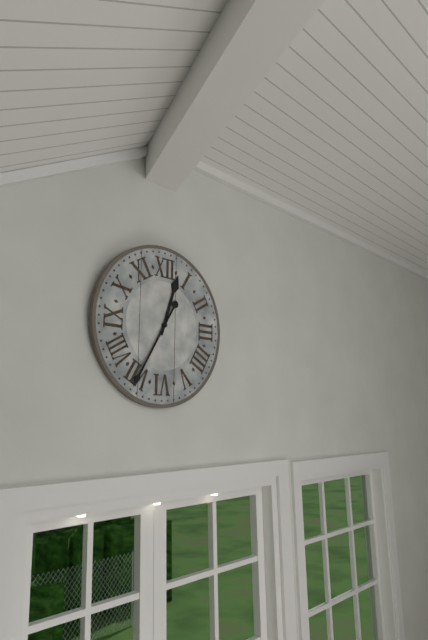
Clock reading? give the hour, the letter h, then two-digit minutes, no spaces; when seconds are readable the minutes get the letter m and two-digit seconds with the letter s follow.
12h35
